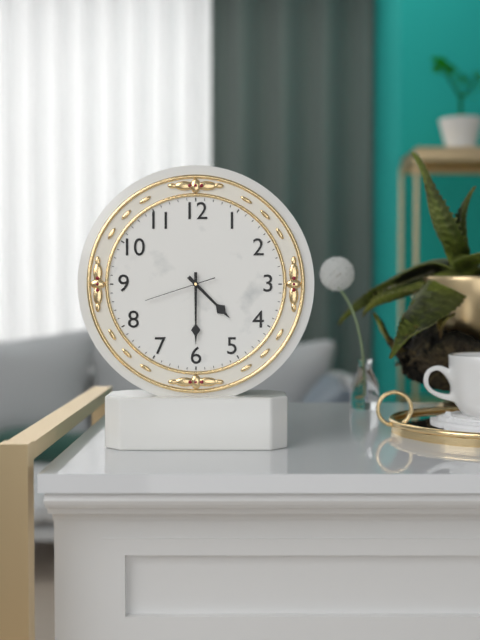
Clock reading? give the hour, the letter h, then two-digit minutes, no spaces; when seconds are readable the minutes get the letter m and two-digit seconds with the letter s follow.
4h30m42s
